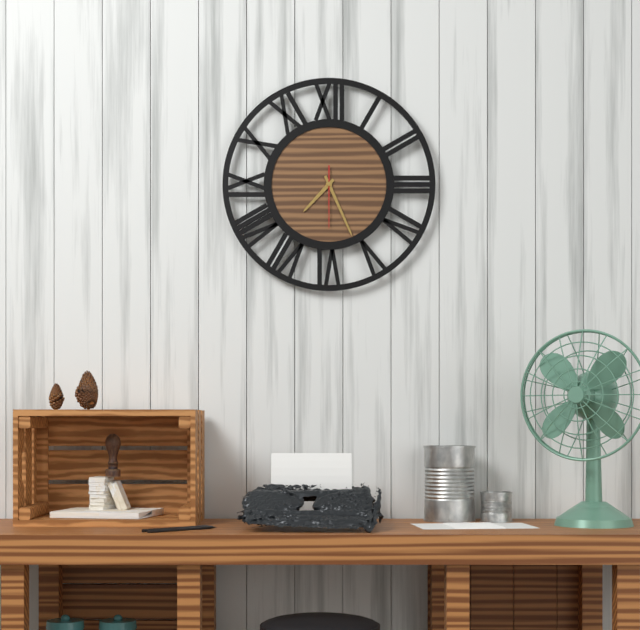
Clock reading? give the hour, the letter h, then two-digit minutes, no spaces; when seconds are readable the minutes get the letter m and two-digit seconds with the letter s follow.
7h26m30s
